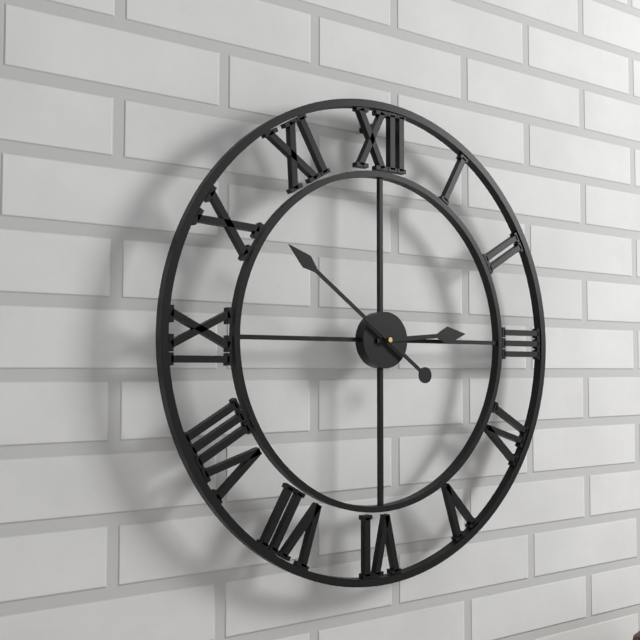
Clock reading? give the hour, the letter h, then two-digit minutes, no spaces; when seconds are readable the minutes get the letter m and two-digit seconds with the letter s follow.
2h51
